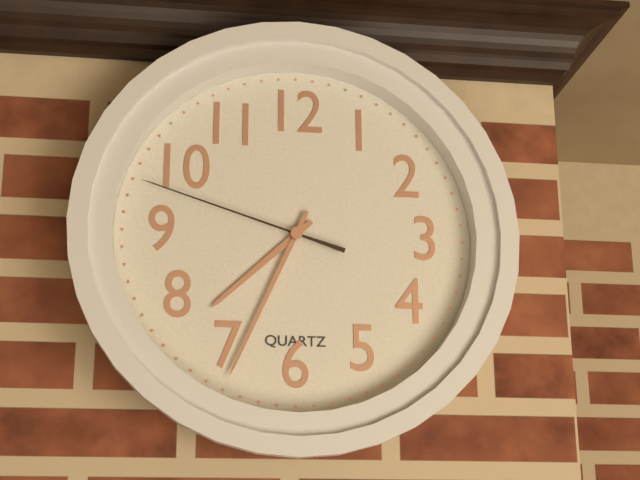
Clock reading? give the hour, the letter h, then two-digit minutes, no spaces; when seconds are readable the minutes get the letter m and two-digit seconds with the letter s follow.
7h34m48s
